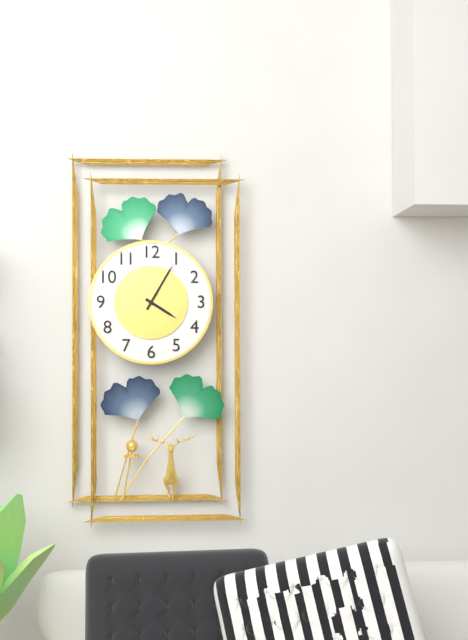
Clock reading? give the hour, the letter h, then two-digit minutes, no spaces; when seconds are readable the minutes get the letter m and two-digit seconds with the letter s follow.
4h05
